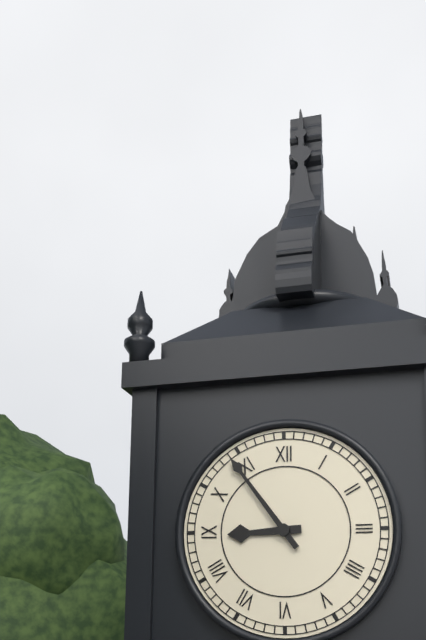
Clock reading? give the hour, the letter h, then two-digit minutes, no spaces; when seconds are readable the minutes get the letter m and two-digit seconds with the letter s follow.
8h54
